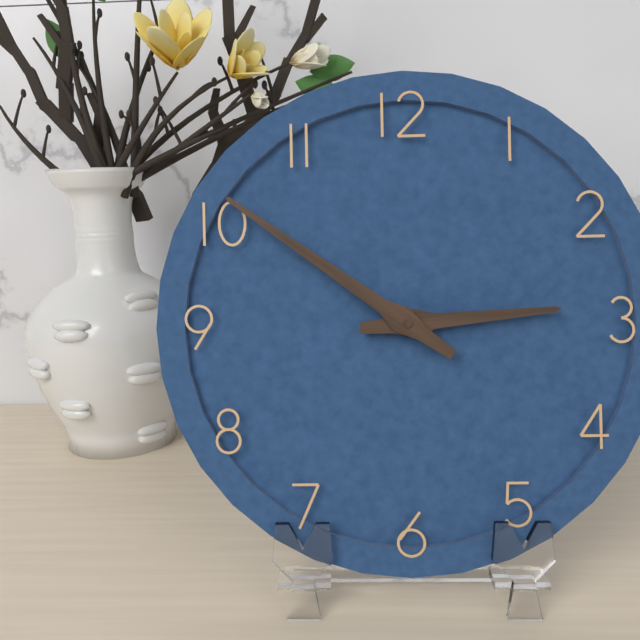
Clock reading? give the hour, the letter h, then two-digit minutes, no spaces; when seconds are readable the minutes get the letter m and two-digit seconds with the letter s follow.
2h51
